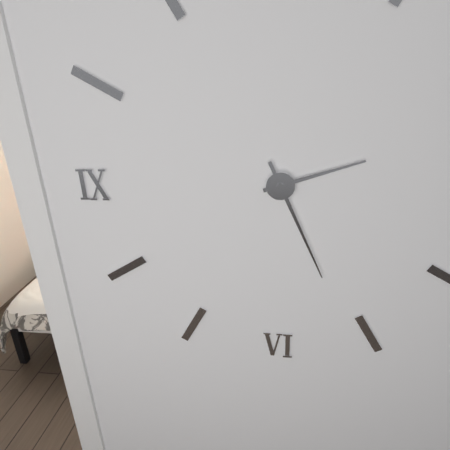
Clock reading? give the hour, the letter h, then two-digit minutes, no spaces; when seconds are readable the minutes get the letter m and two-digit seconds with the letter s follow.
2h26
